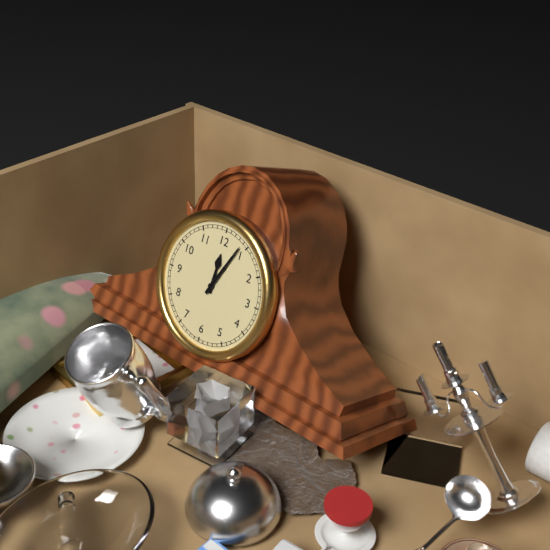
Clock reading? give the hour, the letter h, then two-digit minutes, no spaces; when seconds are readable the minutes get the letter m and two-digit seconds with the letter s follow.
12h04
